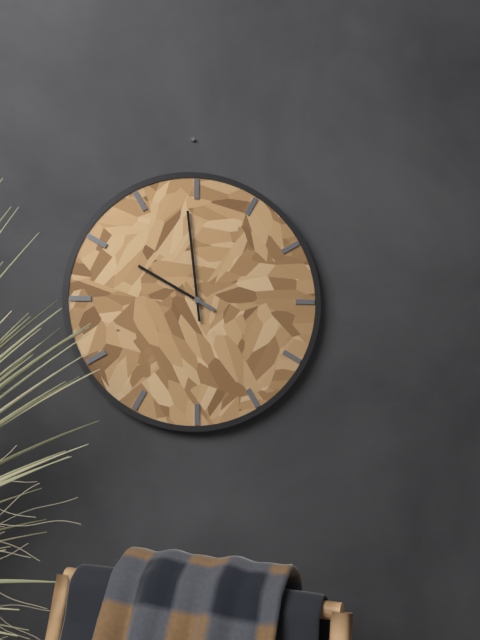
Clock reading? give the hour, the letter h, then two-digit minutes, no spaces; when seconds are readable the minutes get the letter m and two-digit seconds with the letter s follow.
9h59
